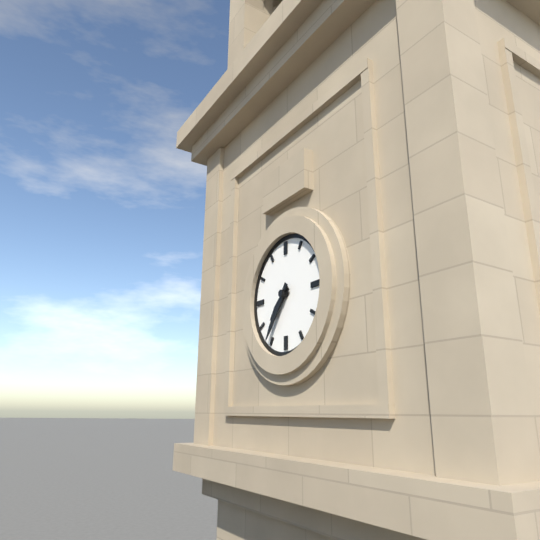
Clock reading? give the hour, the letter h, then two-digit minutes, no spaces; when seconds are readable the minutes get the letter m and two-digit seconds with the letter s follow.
7h36
